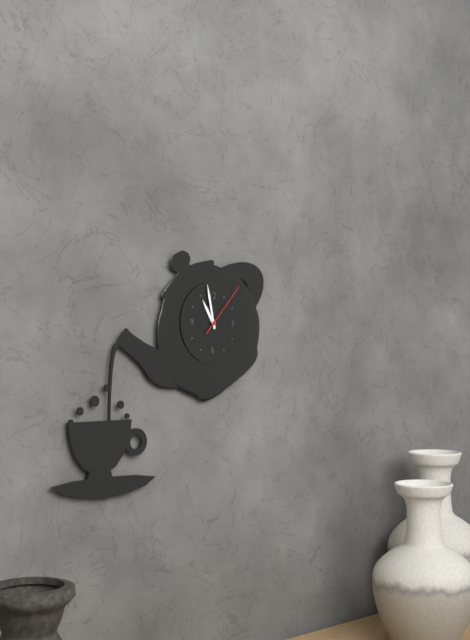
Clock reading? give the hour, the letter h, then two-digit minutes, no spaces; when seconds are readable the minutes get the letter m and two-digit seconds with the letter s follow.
10h58m07s
